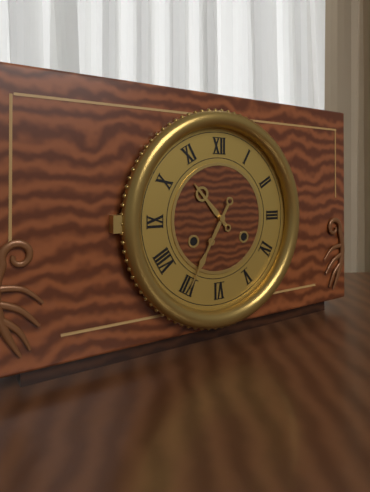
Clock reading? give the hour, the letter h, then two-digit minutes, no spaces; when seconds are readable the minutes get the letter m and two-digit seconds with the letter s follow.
10h35
